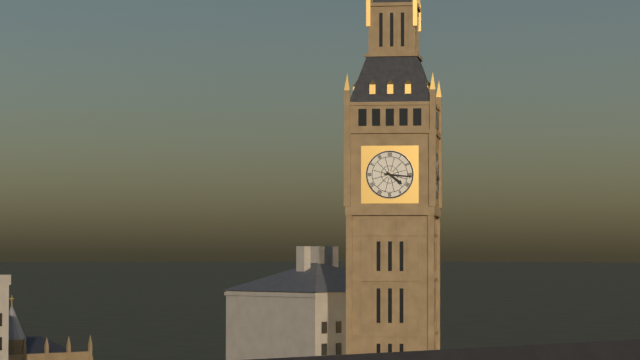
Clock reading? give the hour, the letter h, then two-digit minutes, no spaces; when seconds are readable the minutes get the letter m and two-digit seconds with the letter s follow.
4h16
